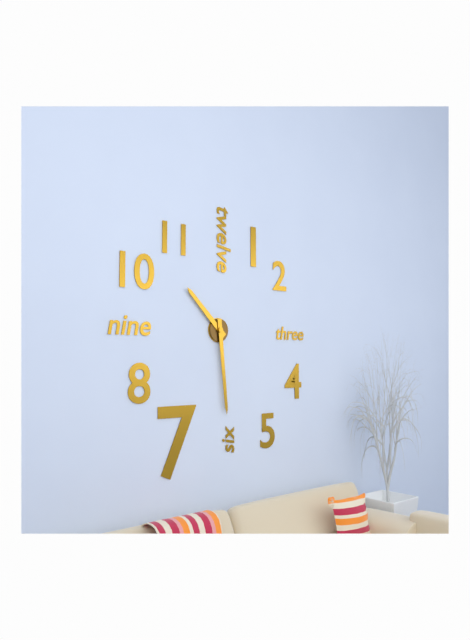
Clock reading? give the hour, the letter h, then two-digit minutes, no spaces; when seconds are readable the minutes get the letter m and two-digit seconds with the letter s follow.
10h29
